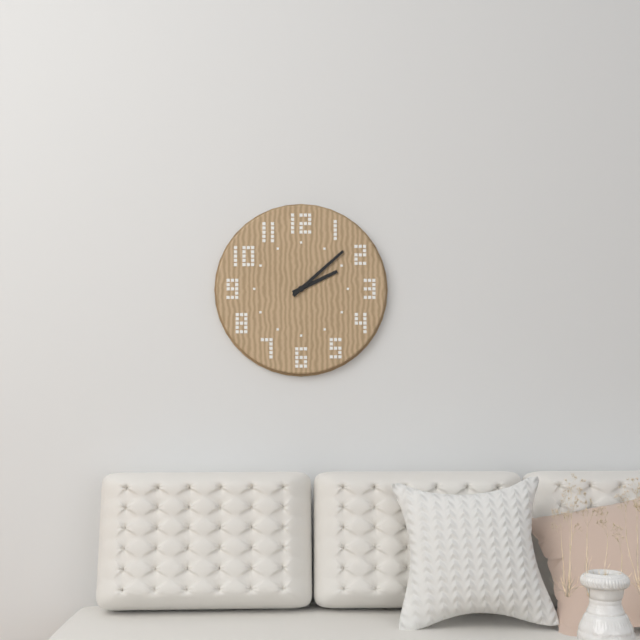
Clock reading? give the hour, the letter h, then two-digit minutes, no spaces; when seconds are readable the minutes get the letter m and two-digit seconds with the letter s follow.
2h08
